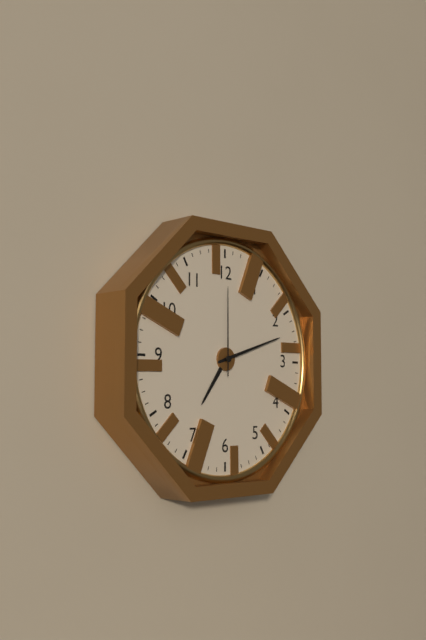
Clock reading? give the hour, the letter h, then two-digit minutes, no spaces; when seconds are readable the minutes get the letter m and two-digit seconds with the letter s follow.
7h12m00s
